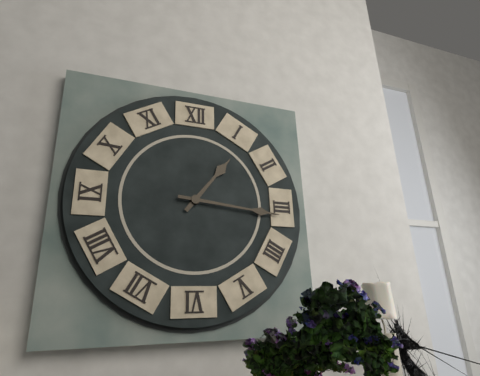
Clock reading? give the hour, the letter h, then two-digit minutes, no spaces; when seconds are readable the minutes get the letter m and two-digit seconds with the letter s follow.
1h16
